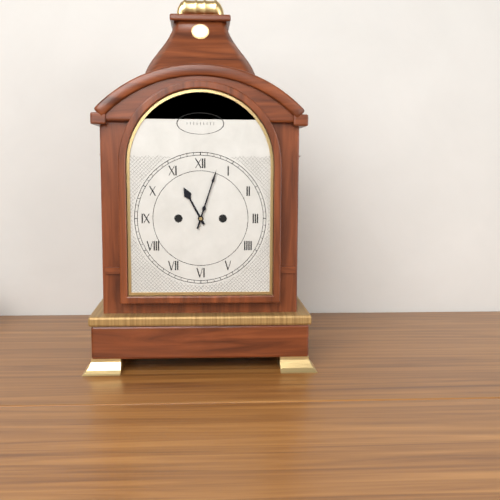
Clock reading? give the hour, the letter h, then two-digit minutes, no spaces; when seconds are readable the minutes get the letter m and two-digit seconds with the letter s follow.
11h03
